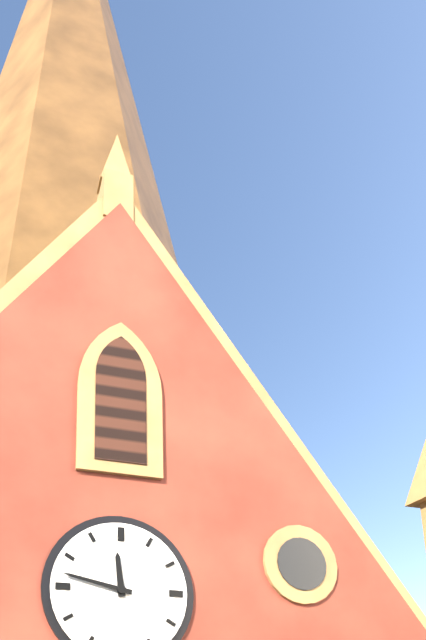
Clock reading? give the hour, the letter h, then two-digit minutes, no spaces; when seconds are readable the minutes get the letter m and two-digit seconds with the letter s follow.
11h47
